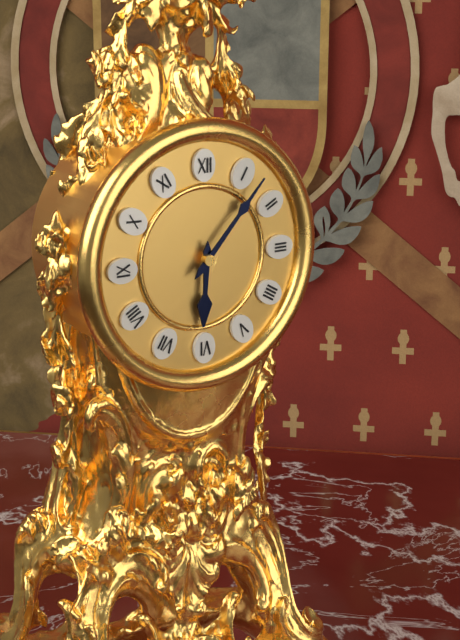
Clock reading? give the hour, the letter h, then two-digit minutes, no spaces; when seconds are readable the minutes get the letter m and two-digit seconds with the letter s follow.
6h07
